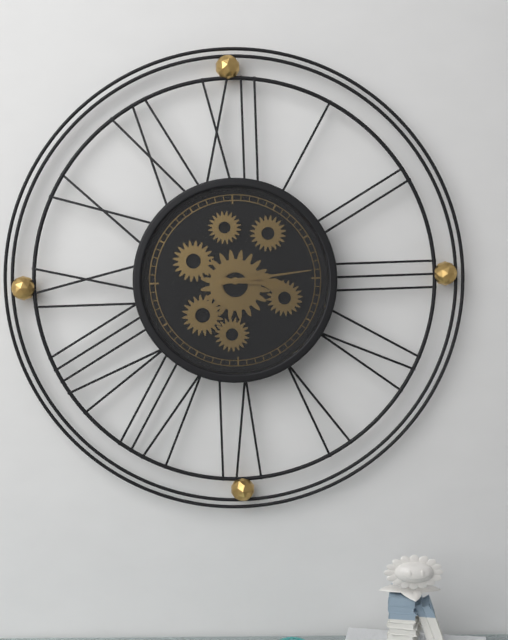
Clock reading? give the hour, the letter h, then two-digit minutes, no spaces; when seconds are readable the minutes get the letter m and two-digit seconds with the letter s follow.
3h14
